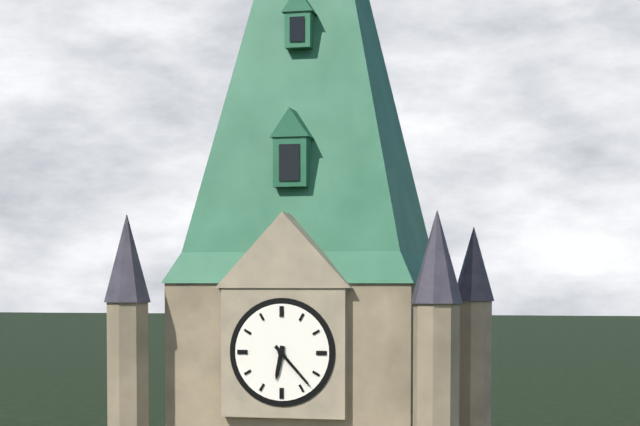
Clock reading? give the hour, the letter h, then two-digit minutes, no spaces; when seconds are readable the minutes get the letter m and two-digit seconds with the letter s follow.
6h23
